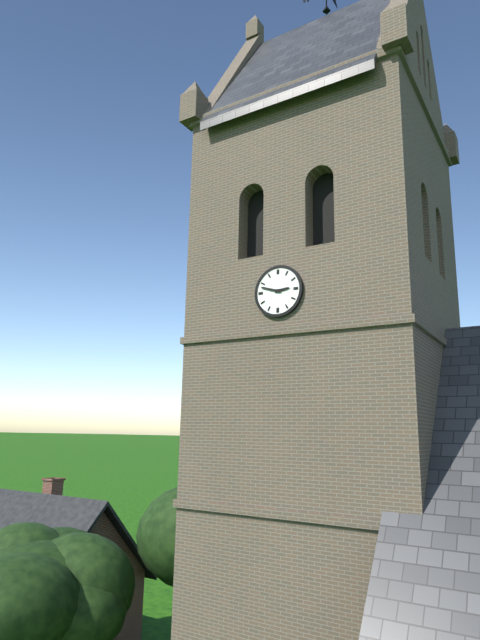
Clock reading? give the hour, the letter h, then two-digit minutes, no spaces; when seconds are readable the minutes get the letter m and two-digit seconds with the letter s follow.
2h48
